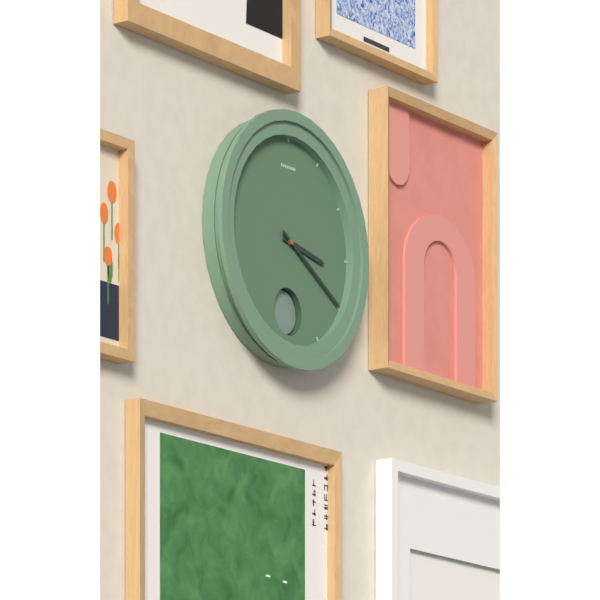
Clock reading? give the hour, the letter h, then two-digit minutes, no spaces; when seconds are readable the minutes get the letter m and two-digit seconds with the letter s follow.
3h20
